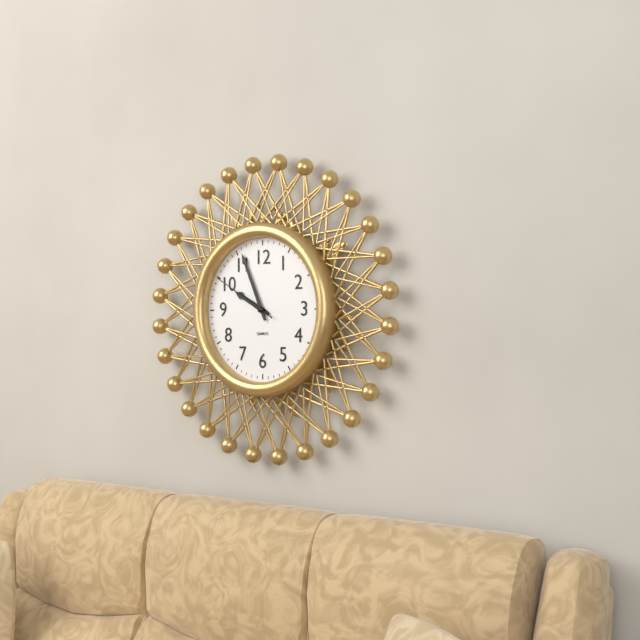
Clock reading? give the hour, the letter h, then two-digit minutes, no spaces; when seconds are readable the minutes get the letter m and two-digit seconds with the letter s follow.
9h56m50s
